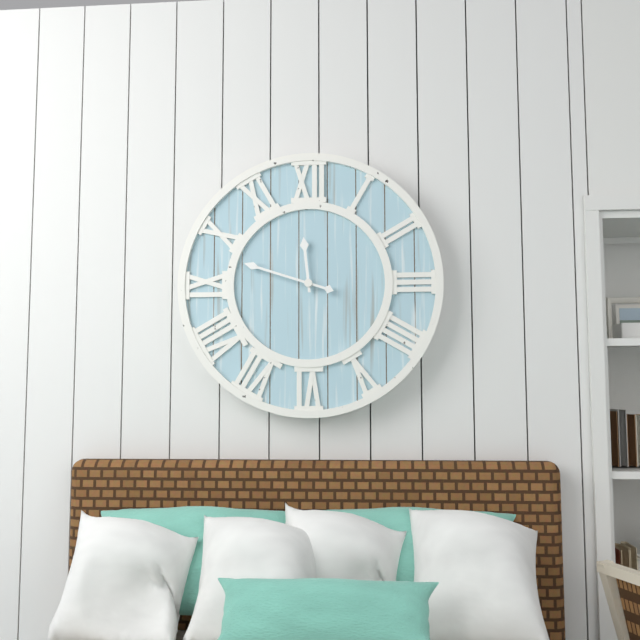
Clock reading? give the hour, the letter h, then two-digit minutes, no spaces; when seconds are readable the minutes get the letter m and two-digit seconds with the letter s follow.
11h48
